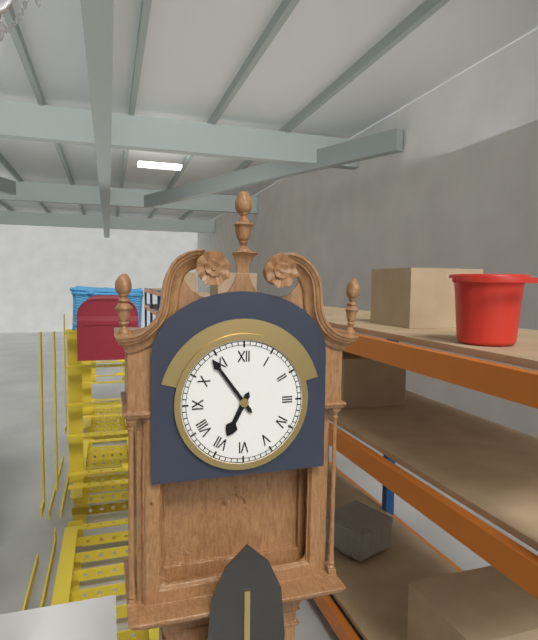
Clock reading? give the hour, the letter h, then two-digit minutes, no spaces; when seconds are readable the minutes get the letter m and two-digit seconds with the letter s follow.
6h54
